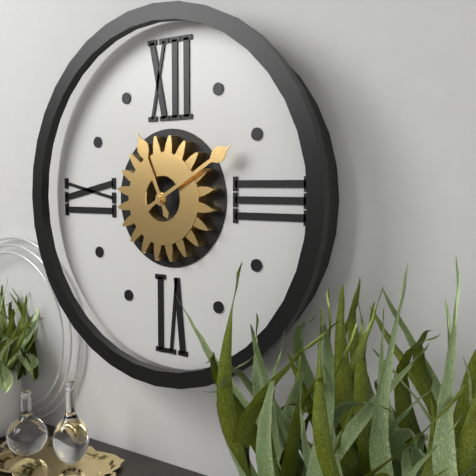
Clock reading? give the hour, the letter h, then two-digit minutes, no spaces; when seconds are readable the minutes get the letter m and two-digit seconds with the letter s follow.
11h10
